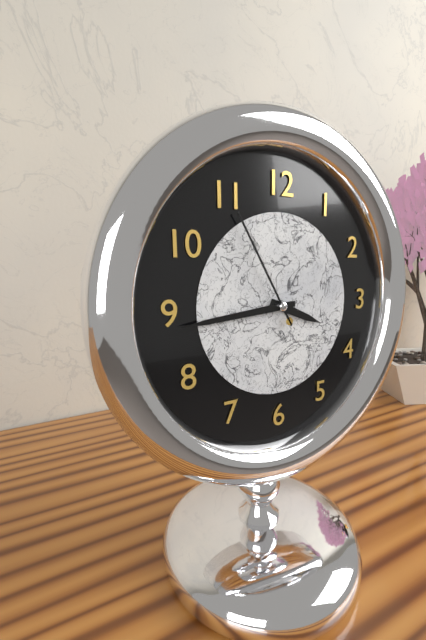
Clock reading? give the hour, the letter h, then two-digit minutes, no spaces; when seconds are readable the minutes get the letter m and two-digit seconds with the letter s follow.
3h44m55s
